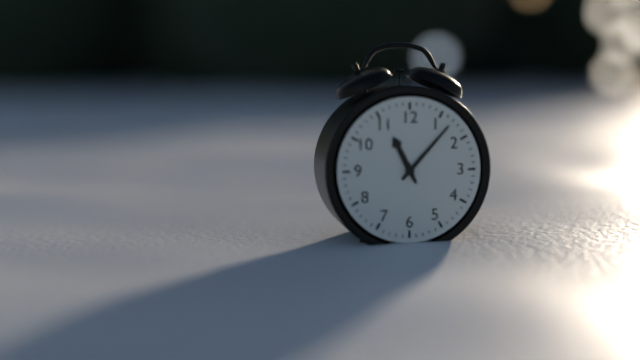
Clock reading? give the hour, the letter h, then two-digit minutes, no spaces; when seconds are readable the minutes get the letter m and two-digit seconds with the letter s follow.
11h07
